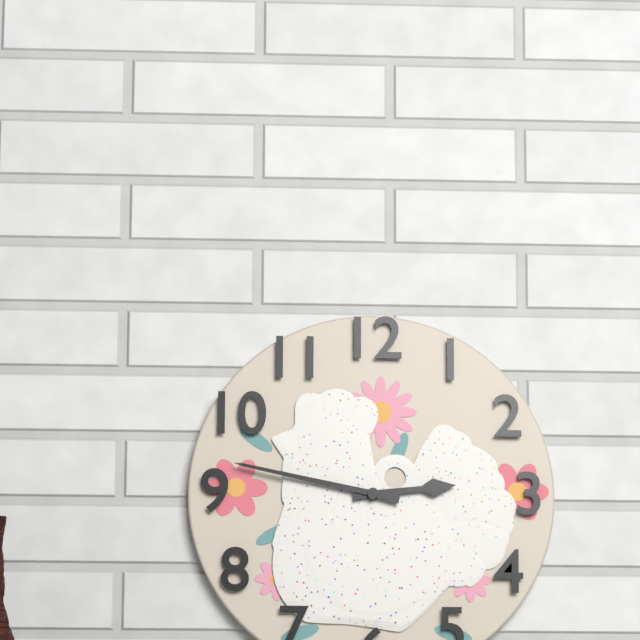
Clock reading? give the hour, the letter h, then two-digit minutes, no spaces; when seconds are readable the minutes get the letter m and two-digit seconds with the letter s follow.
2h47
